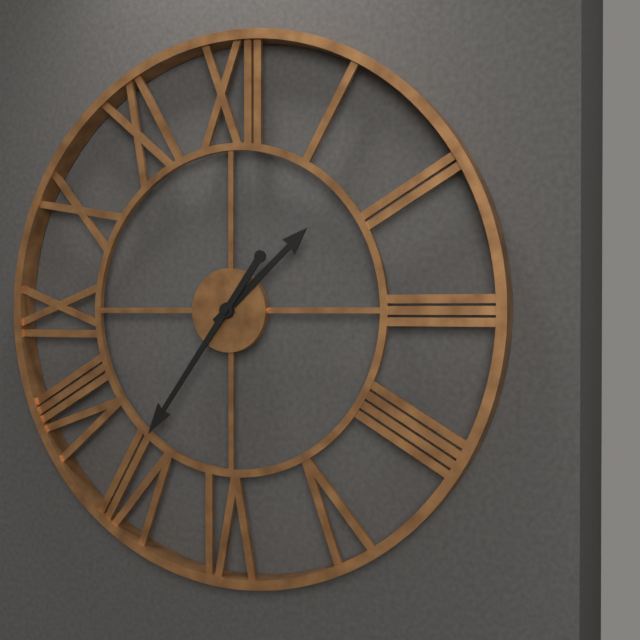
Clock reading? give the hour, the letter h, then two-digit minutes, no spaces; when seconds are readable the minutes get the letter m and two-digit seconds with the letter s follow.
1h36
